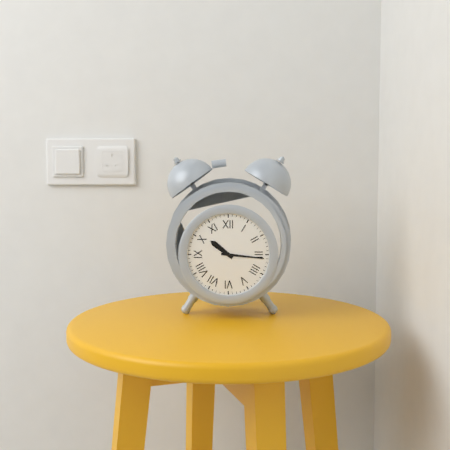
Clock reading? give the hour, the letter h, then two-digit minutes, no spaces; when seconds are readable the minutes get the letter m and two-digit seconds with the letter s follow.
10h16
